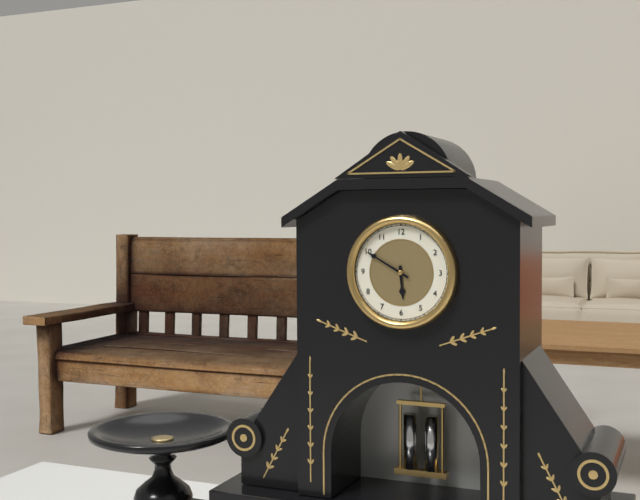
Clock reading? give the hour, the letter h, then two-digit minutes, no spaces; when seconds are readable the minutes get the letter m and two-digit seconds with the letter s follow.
5h50
